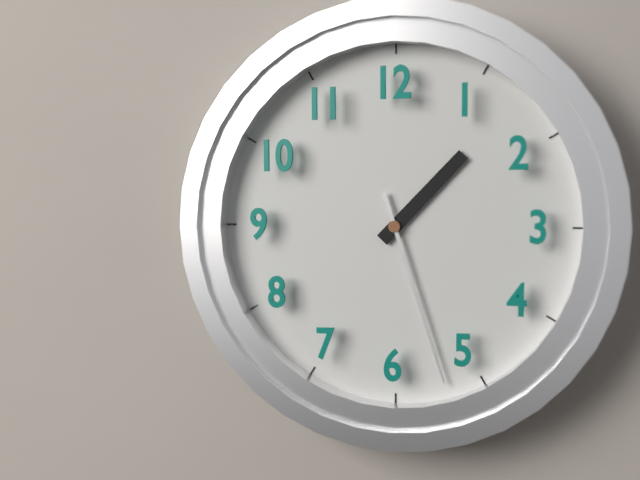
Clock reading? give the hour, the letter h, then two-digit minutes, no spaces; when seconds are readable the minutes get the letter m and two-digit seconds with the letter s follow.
1h27
